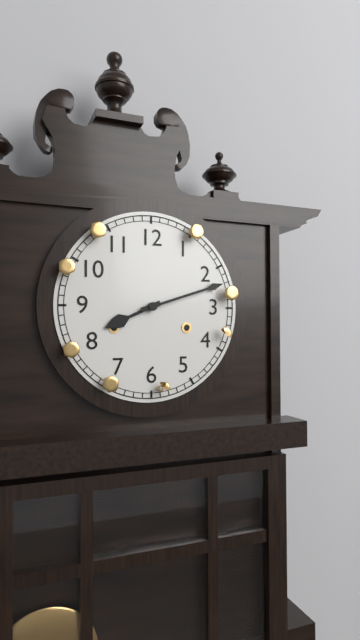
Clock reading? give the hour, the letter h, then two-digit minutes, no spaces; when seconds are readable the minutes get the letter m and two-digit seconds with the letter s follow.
8h12
